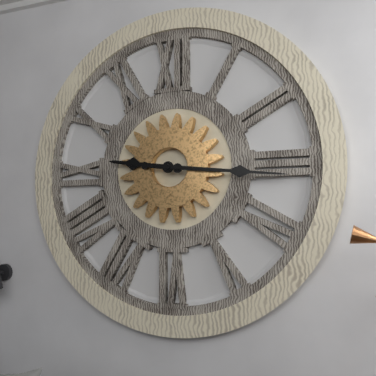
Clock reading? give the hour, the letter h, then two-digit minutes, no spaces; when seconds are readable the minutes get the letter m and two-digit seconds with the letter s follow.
9h16
